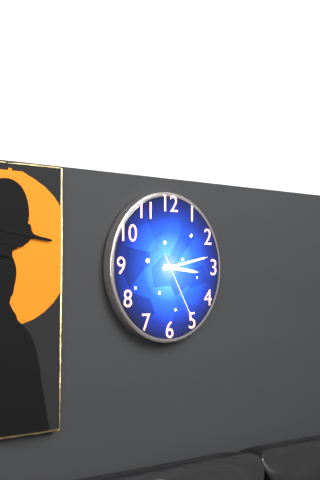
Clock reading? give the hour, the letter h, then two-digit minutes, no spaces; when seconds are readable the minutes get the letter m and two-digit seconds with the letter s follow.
3h13m25s
